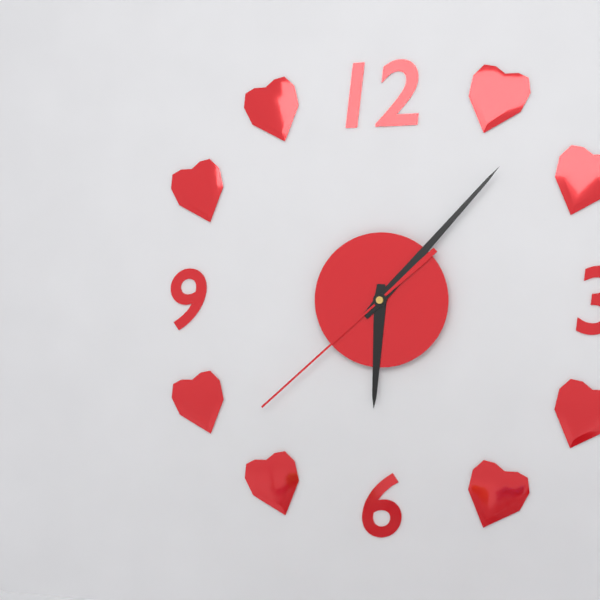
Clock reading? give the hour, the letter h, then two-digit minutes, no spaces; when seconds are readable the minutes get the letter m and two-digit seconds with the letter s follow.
6h07m38s
